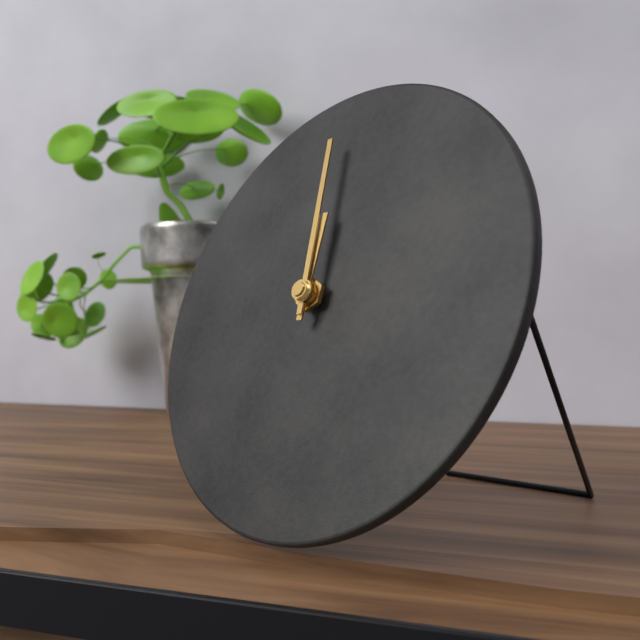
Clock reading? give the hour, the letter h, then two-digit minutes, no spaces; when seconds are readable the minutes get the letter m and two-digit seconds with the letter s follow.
11h59
